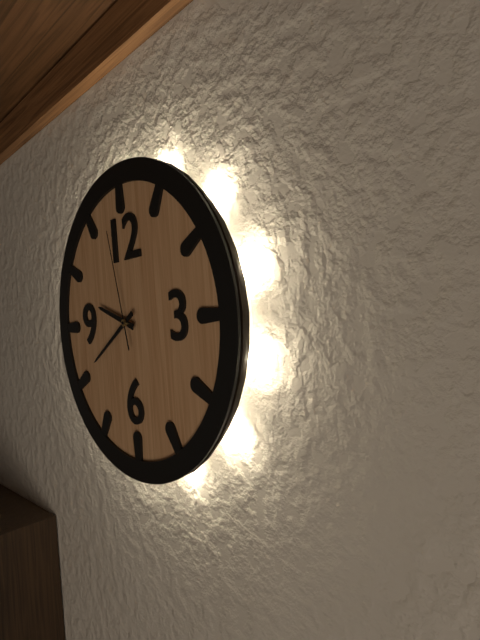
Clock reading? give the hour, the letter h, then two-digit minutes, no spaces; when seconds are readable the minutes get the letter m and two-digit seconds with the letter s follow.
9h40m58s
